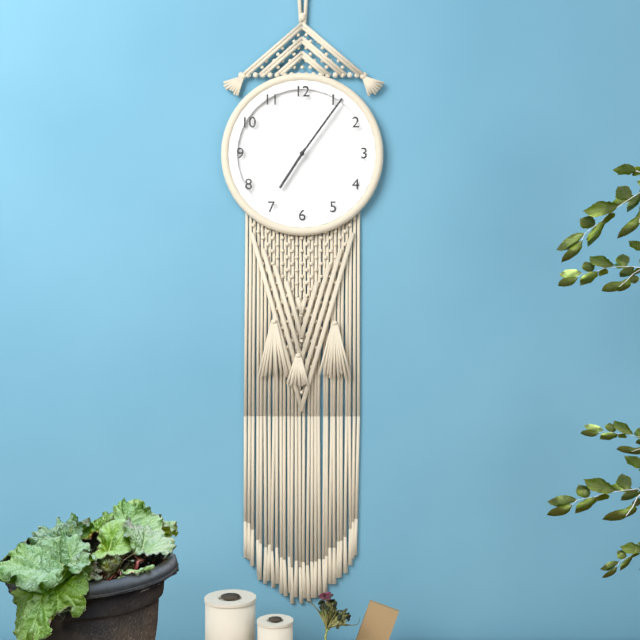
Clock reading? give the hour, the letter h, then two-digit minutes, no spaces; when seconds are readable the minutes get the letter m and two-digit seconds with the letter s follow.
7h06
